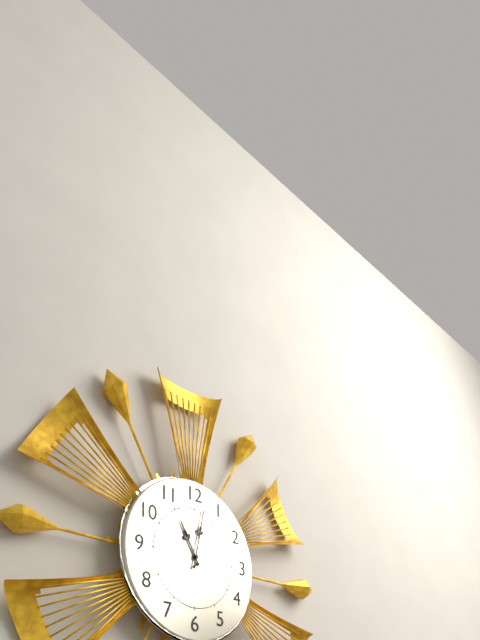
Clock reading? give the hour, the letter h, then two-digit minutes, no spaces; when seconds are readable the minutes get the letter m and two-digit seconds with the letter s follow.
11h02
